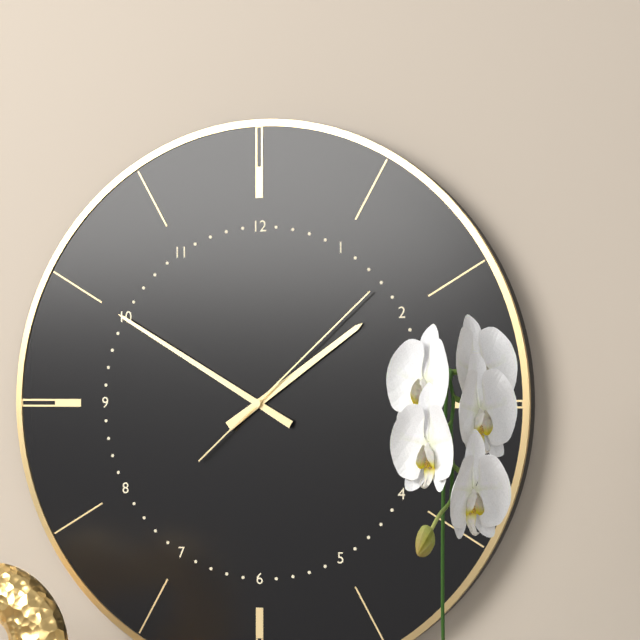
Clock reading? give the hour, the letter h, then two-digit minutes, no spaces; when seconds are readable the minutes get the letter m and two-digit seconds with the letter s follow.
1h50m08s
